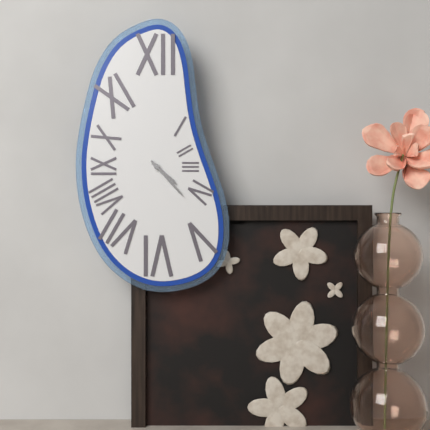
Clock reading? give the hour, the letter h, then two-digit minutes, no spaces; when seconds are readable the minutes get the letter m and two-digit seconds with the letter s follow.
4h23
